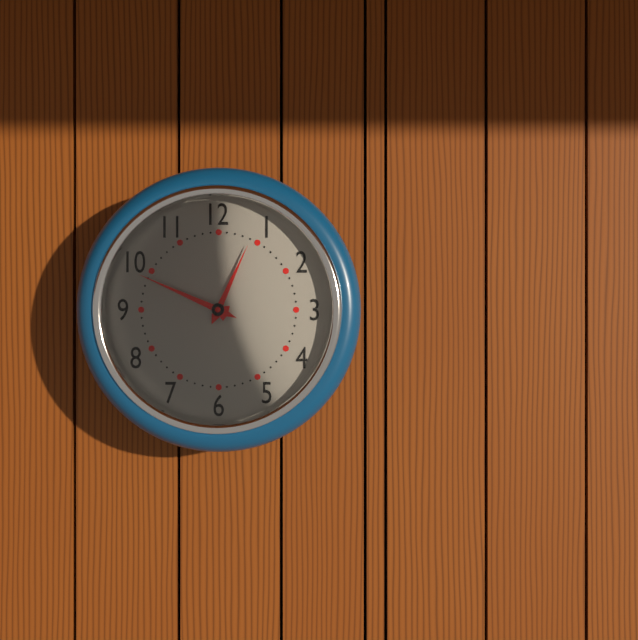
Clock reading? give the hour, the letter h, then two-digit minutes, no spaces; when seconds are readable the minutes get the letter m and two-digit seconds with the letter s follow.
12h49
